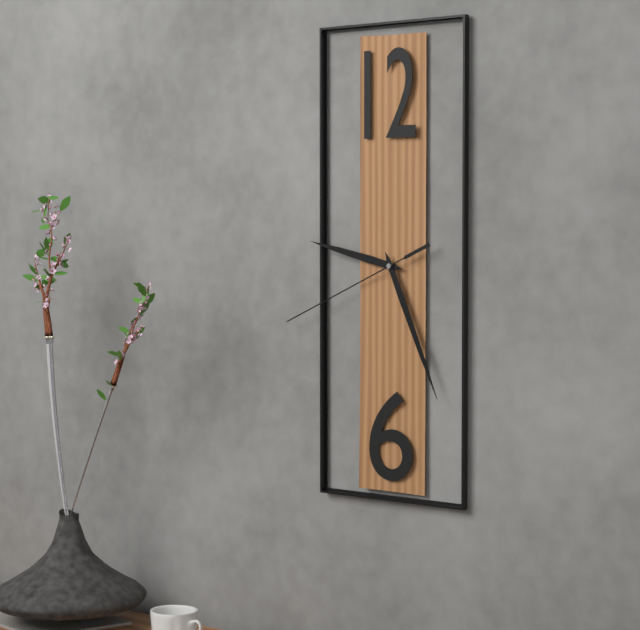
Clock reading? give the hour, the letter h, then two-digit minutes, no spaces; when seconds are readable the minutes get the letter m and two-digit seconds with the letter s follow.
9h26m41s
